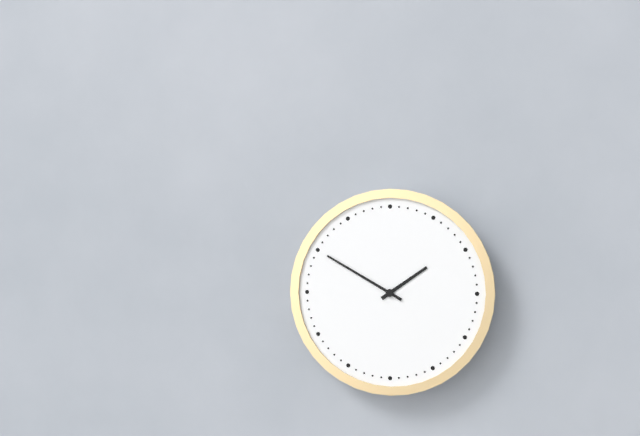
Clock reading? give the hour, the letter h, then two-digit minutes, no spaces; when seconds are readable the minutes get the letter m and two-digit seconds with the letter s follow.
1h50
